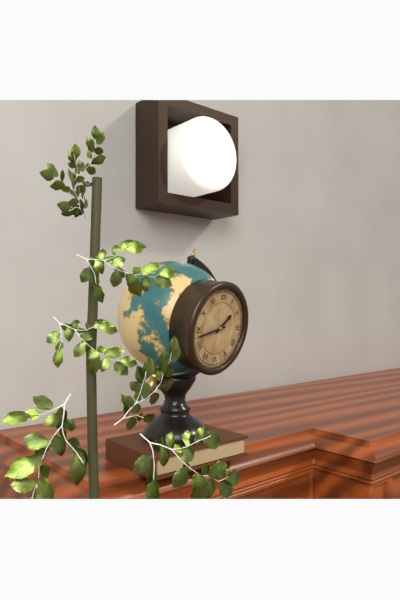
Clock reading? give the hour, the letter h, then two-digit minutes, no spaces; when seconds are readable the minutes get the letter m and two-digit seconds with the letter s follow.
1h43
